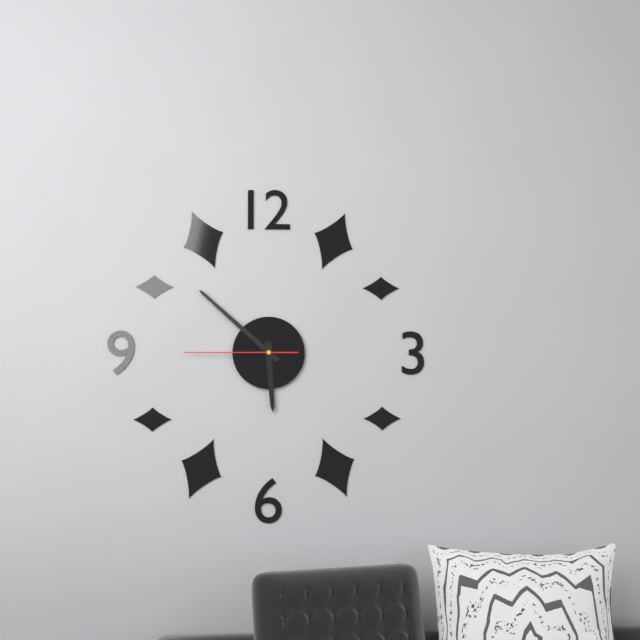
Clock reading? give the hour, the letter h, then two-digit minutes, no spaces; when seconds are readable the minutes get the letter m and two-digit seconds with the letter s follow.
5h52m45s
